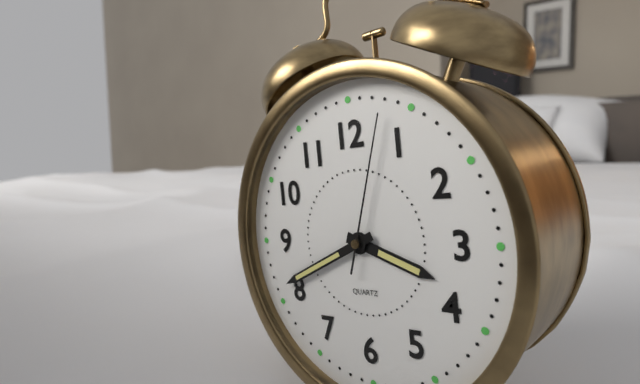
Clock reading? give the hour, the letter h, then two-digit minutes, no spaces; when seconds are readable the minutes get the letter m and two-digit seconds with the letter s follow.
3h41m03s
